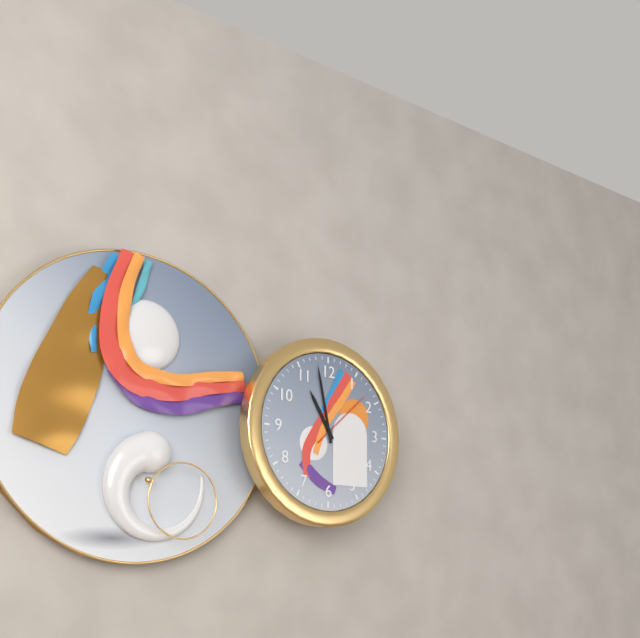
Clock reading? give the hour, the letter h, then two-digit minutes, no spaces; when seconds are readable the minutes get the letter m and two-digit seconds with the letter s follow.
10h58m08s
